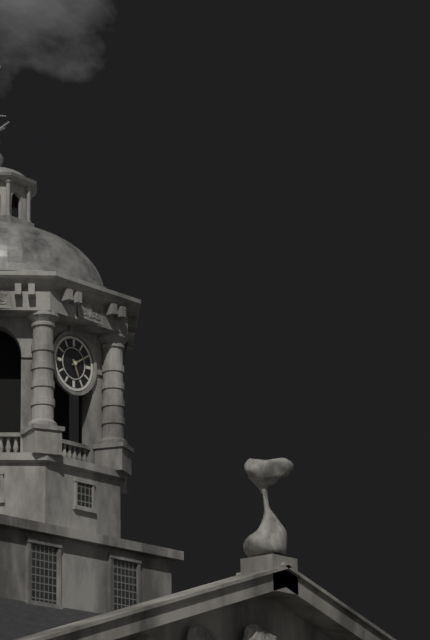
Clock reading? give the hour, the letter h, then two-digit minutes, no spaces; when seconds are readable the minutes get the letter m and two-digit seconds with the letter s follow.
5h10
